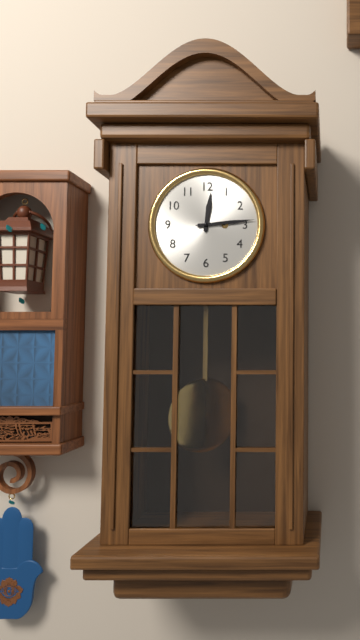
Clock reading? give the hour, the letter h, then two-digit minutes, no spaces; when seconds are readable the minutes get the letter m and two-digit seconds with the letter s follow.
12h14
